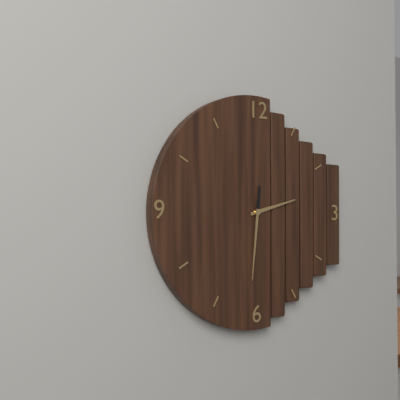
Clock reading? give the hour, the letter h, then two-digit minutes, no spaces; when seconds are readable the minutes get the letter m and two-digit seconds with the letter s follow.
2h31
